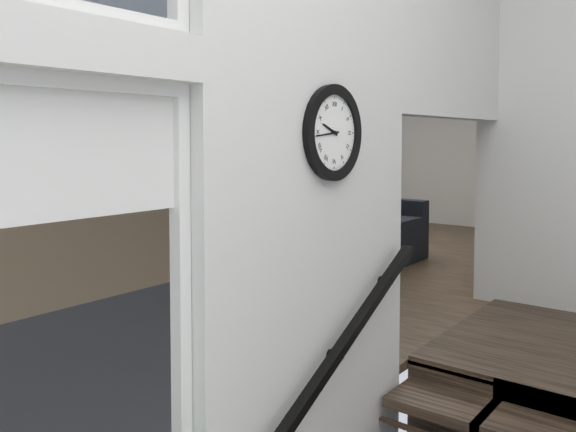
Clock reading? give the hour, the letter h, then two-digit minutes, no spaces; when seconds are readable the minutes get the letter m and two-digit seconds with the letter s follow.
9h44
